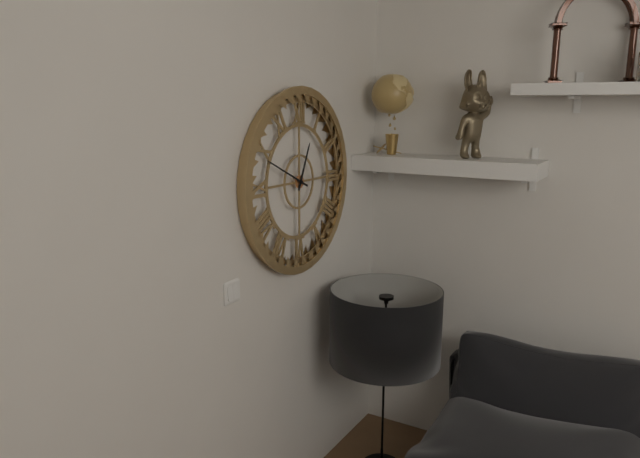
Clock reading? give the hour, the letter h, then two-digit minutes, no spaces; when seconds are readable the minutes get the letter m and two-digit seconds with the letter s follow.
12h49
